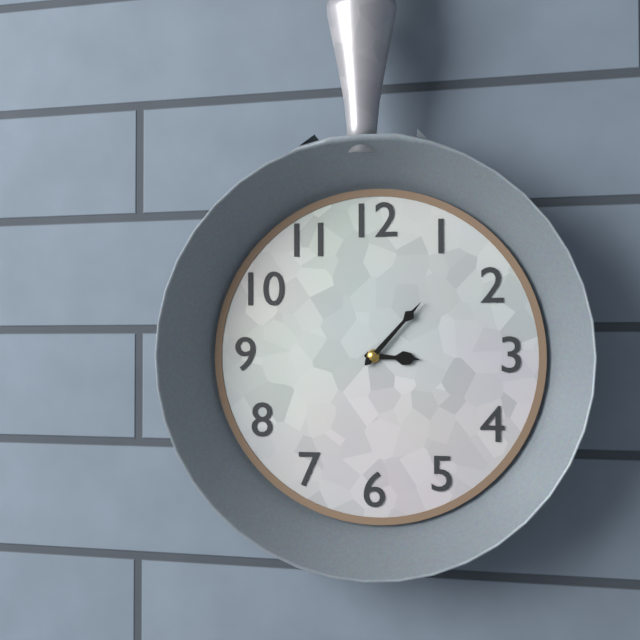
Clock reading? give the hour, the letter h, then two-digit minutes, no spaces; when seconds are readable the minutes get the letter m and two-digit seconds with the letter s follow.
3h07
